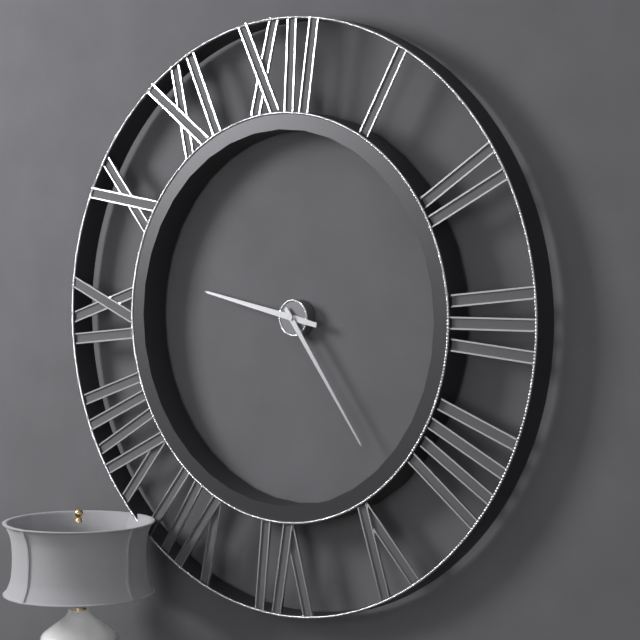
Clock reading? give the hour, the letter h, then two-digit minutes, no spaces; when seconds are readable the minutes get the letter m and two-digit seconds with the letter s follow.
9h24
